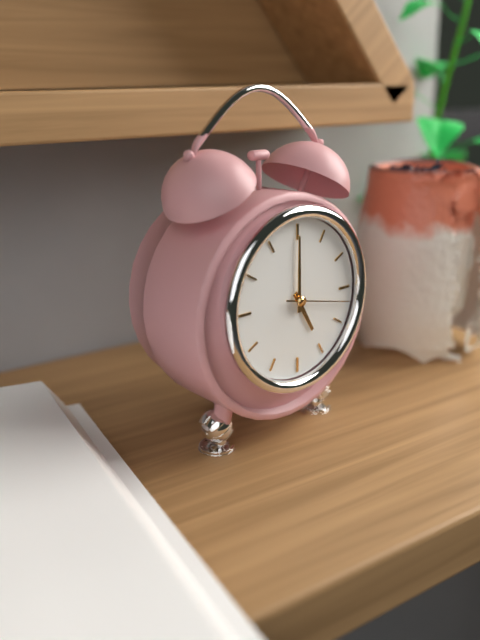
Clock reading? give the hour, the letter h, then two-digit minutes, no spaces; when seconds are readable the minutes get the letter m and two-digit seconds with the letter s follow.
5h00m17s
